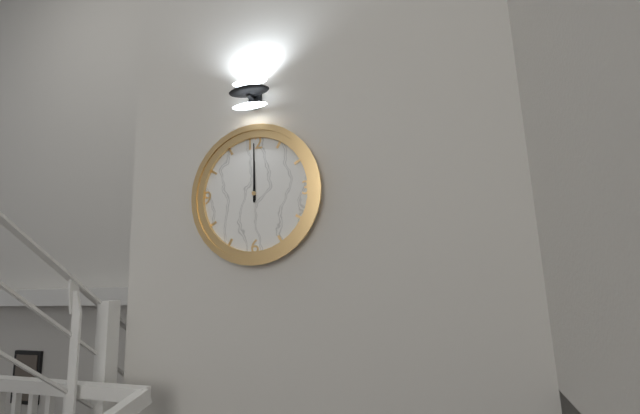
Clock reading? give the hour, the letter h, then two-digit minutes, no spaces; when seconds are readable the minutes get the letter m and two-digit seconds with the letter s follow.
12h00
